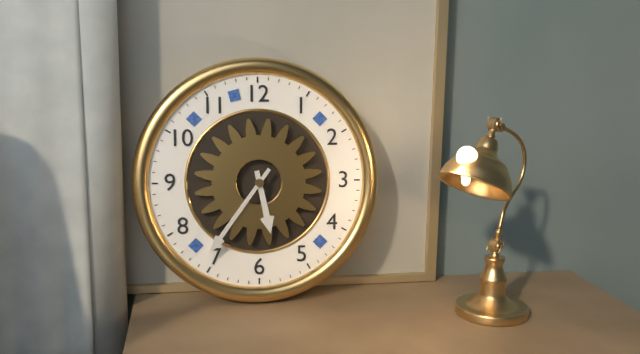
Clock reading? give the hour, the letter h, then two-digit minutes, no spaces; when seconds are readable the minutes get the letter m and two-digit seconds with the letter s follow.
5h36
